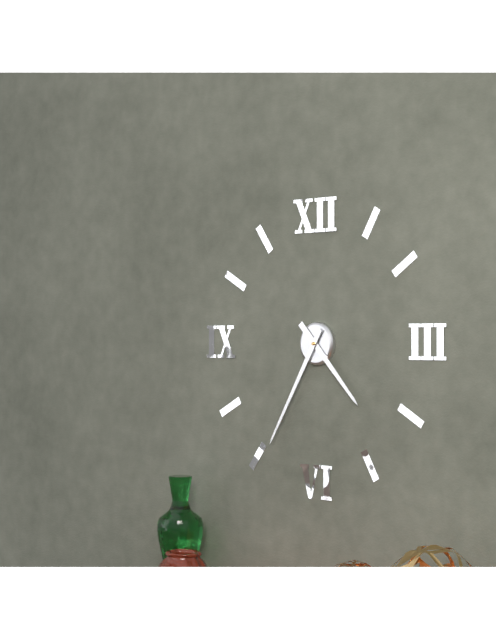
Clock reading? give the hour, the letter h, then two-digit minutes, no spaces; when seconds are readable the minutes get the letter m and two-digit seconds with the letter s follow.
4h35
